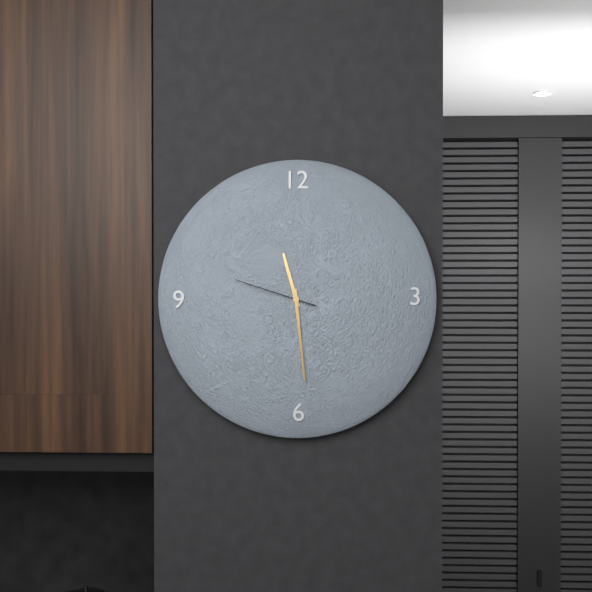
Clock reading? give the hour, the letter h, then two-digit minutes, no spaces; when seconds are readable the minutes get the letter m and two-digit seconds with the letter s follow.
11h29m48s
